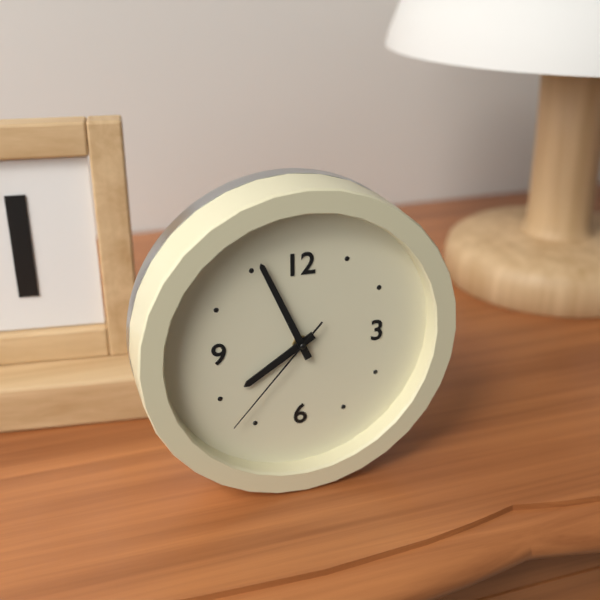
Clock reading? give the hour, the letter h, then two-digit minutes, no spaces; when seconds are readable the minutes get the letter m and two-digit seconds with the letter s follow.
7h56m37s
